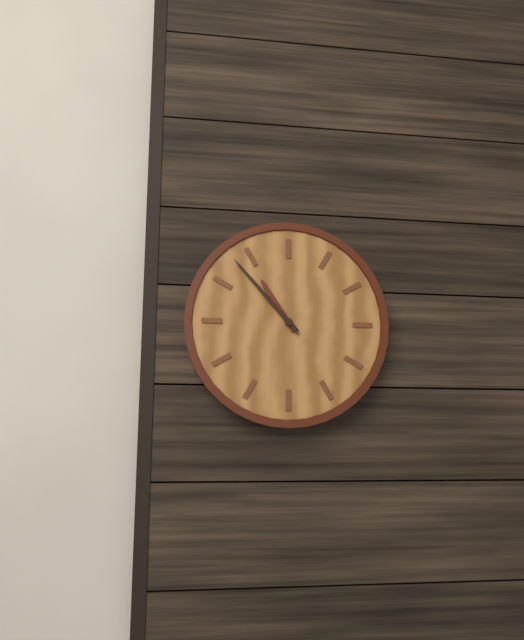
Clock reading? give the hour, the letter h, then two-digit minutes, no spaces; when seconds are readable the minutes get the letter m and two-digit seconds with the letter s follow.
10h53
